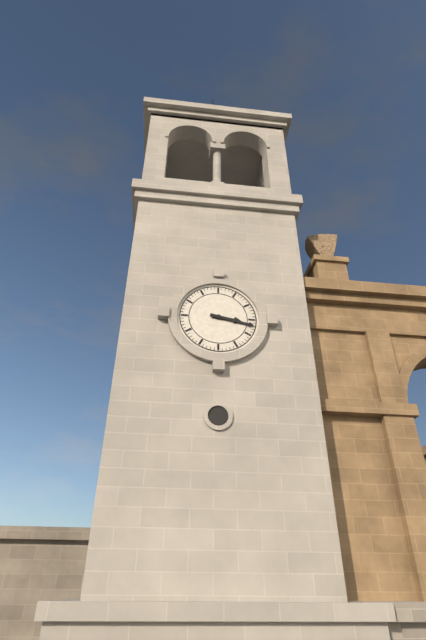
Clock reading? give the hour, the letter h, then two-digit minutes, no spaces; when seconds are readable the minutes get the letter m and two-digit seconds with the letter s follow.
3h17
